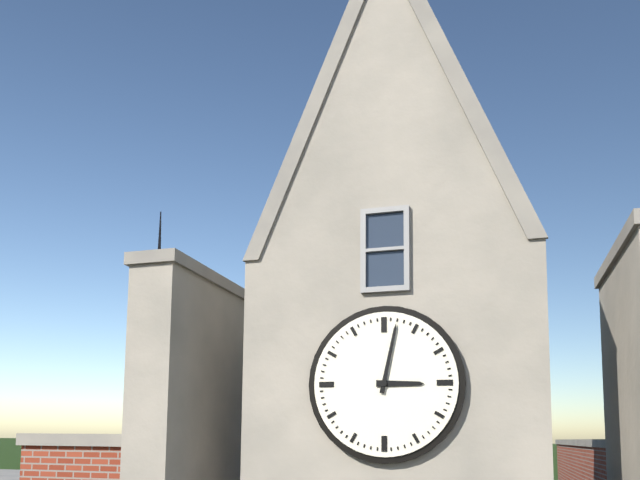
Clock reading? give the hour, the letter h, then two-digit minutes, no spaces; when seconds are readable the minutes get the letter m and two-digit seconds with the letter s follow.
3h02
